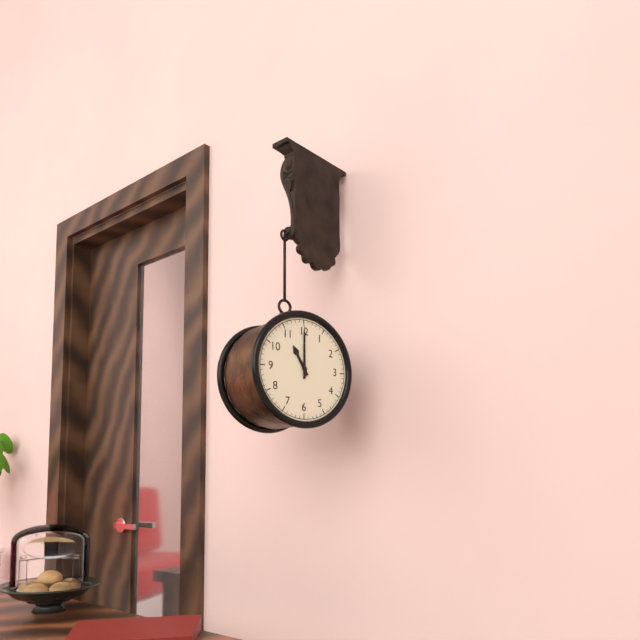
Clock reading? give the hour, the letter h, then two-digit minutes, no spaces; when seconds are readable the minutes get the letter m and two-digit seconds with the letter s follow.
11h00
